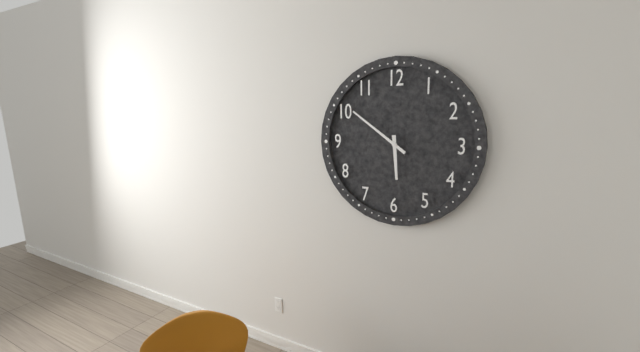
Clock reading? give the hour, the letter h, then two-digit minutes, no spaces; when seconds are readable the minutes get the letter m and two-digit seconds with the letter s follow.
5h51
